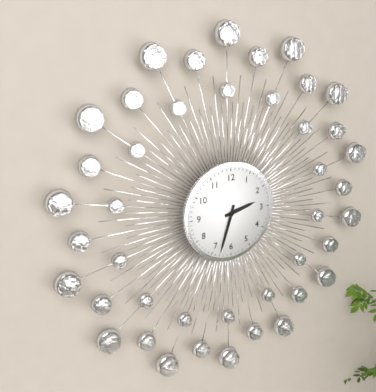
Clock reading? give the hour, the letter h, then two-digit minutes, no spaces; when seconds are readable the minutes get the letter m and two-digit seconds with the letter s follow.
2h33
